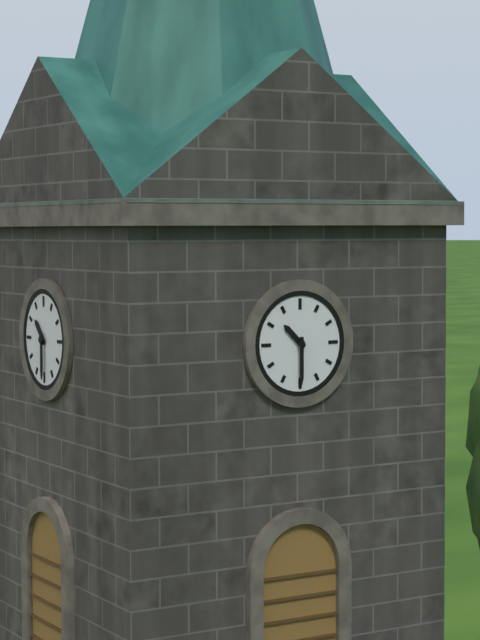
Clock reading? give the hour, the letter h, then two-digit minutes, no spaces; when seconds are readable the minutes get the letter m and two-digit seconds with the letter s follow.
10h30
